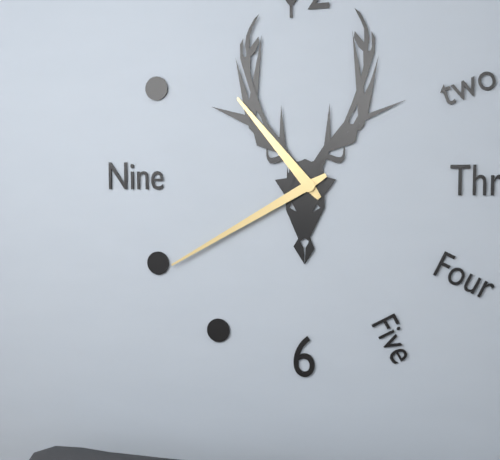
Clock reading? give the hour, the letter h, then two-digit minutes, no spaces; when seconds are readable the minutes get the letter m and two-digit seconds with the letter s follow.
10h40
